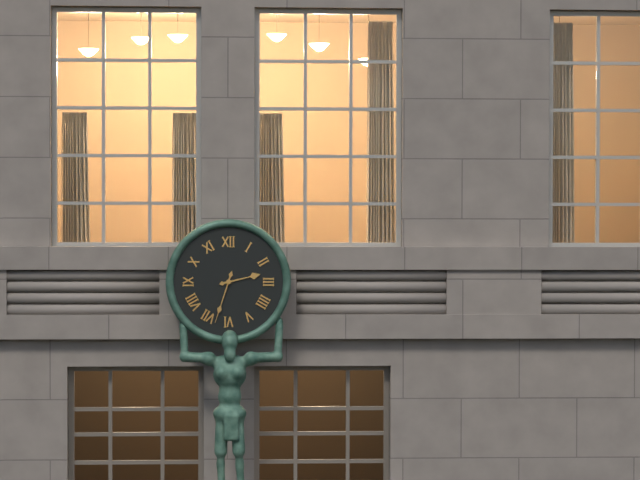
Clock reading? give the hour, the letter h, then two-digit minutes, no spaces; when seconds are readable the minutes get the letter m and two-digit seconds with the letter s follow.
2h33
